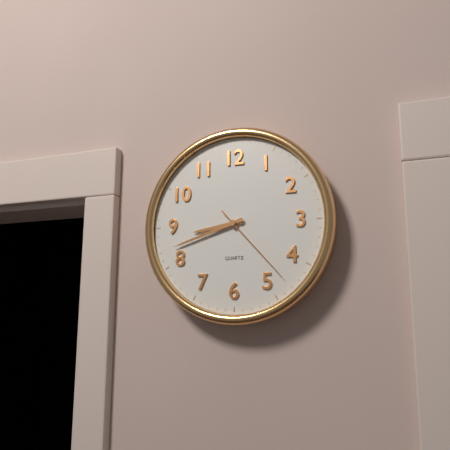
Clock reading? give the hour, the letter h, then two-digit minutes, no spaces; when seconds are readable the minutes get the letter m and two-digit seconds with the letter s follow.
8h42m23s
